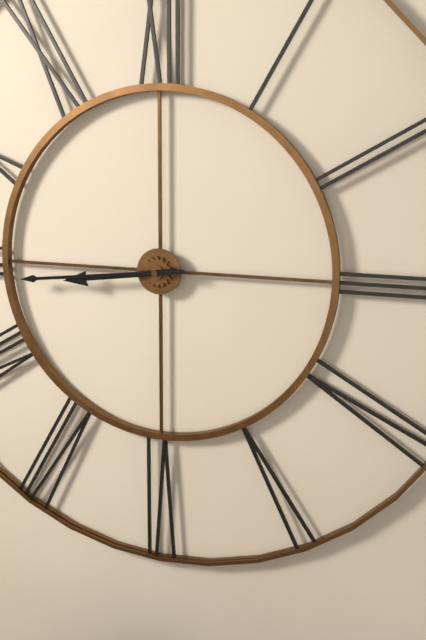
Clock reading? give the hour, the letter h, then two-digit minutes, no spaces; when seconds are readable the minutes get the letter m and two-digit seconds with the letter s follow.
8h44
